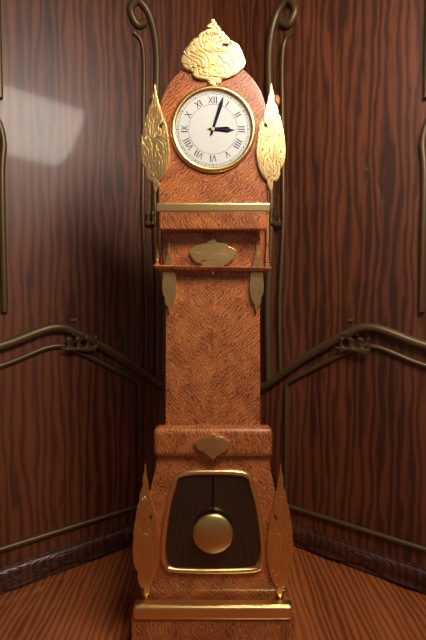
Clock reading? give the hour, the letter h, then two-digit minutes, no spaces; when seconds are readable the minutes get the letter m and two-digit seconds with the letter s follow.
3h03
